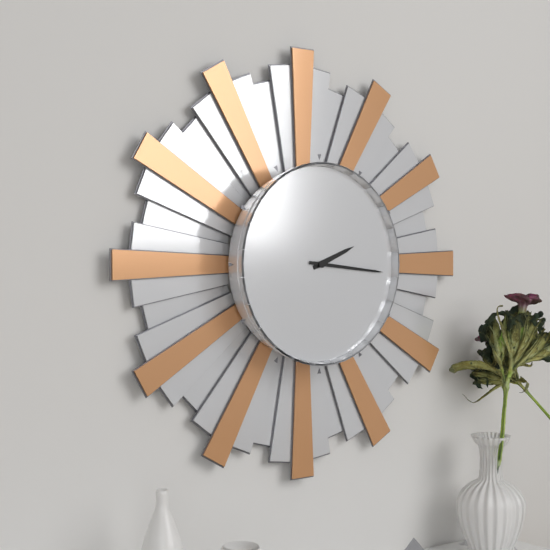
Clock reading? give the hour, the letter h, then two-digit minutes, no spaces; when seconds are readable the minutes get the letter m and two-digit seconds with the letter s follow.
2h16
